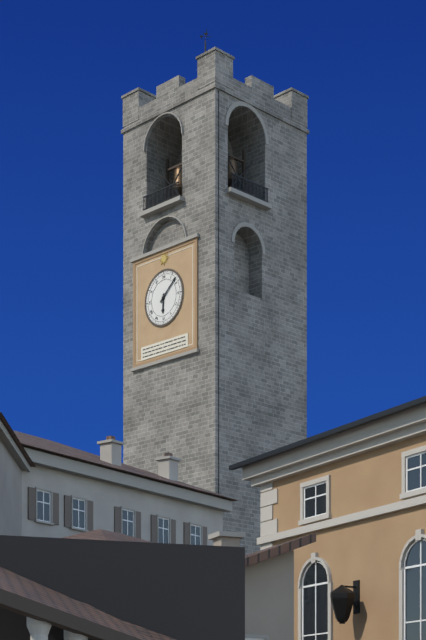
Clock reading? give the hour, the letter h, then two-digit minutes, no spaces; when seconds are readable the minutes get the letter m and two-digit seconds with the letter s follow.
6h08
